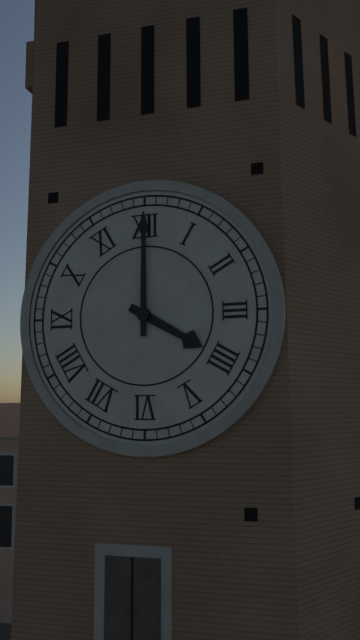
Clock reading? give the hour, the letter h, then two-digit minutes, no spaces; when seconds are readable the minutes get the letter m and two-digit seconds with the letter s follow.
4h00
